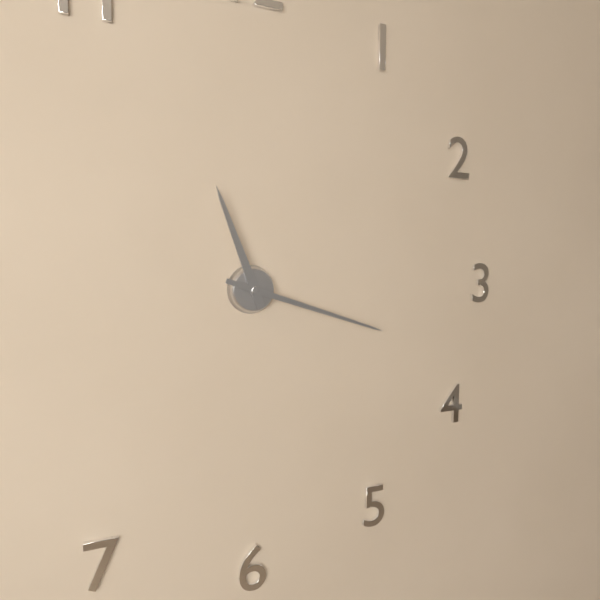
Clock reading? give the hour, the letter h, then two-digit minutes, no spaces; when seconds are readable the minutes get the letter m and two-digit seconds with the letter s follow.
11h18
